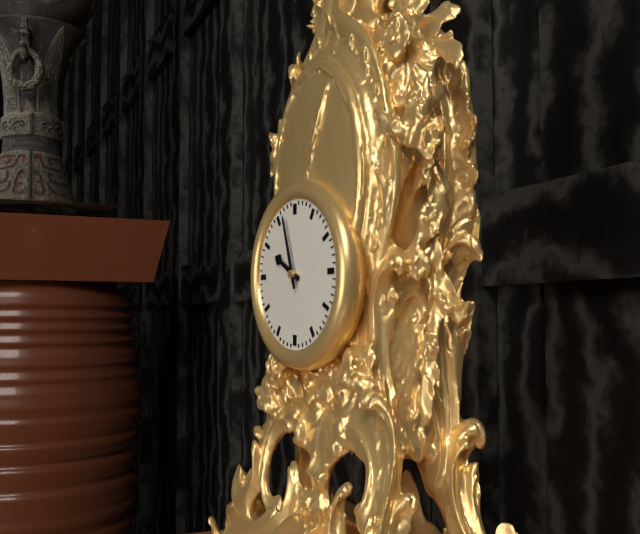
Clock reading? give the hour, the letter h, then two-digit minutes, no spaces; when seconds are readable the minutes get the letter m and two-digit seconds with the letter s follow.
9h57
